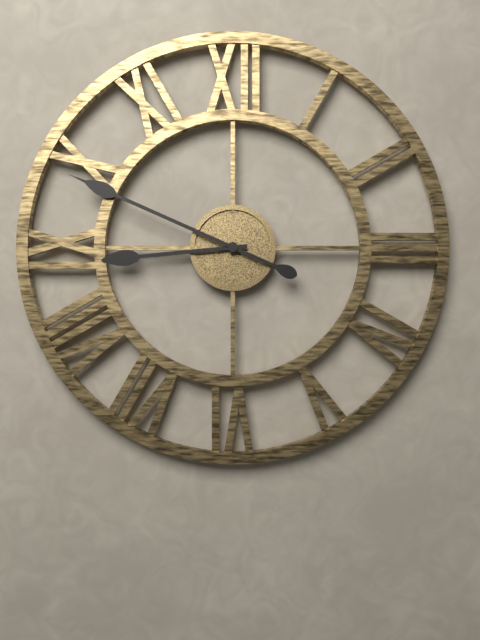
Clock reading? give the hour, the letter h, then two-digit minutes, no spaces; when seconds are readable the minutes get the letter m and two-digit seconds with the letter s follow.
8h49
